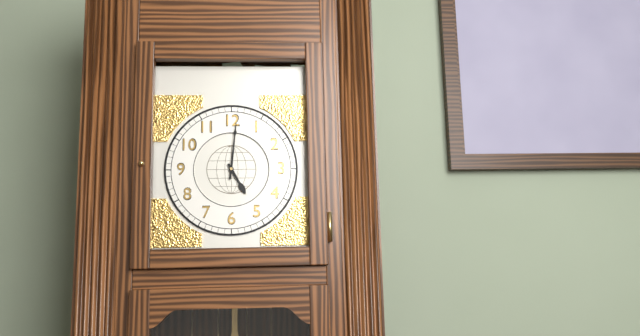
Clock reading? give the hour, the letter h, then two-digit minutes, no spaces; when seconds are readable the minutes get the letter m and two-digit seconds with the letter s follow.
5h01
